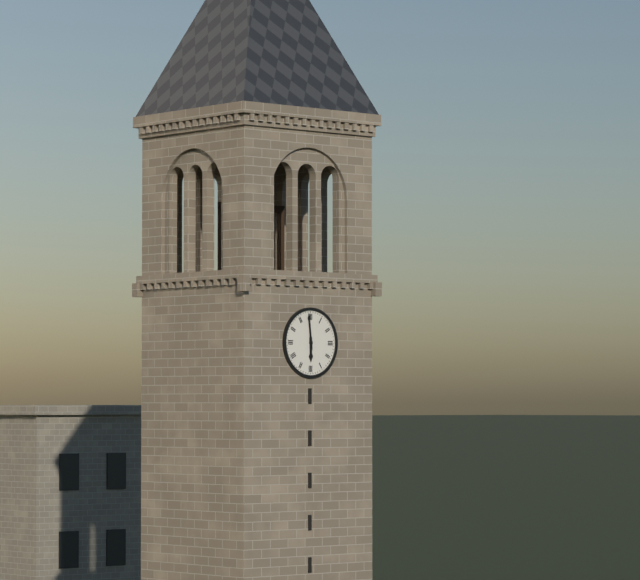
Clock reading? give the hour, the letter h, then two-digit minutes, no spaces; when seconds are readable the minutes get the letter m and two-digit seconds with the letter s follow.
5h59
